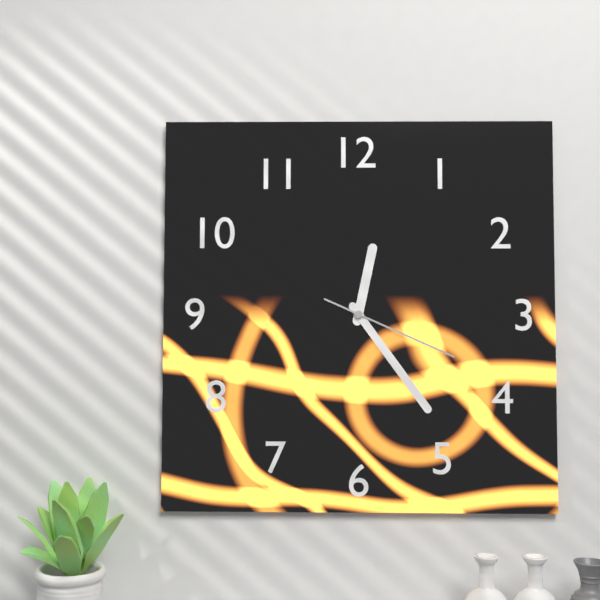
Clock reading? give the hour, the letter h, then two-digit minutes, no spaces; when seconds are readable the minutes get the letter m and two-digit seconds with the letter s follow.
12h24m19s
